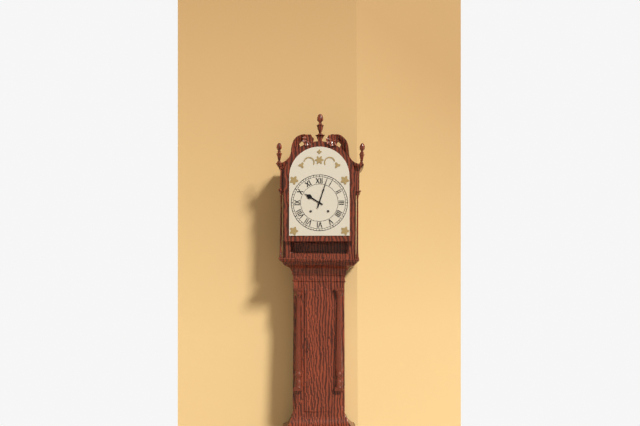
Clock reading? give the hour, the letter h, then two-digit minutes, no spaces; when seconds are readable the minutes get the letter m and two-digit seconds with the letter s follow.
10h03
